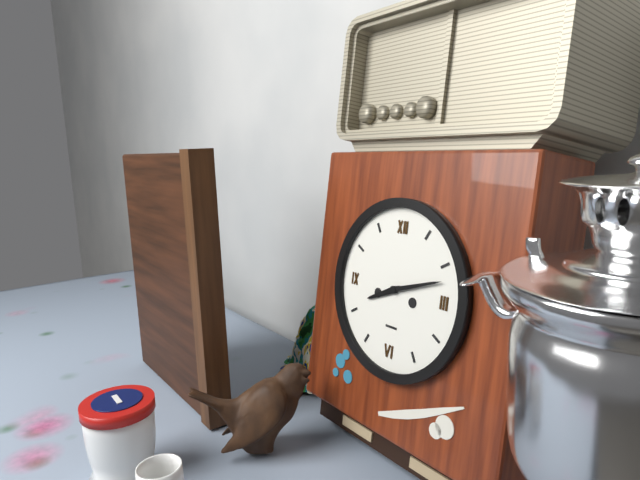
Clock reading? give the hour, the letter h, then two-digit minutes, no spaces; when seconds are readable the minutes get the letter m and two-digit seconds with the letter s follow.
8h12
